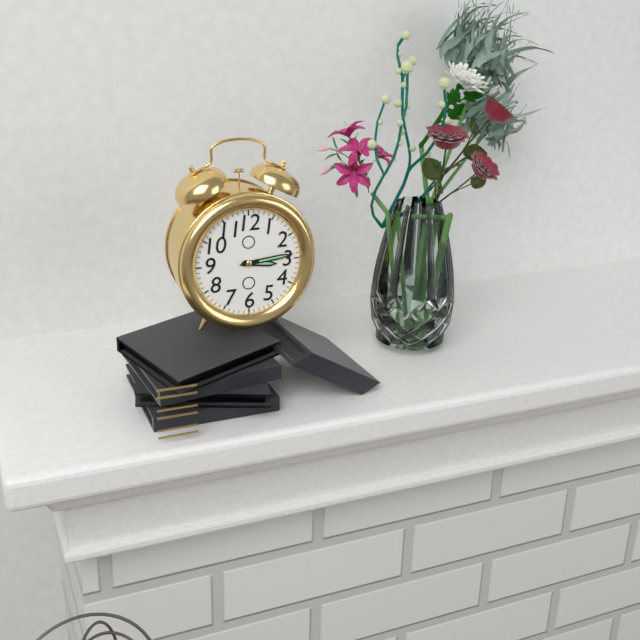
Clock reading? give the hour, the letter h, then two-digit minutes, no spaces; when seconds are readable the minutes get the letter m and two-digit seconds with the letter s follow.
3h14
